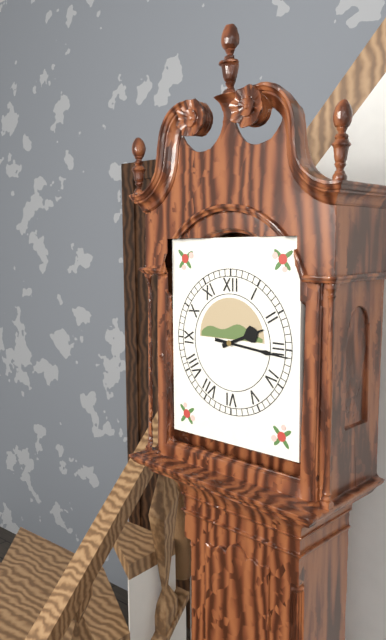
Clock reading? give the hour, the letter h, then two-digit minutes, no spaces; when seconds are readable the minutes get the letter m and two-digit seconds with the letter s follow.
2h16
